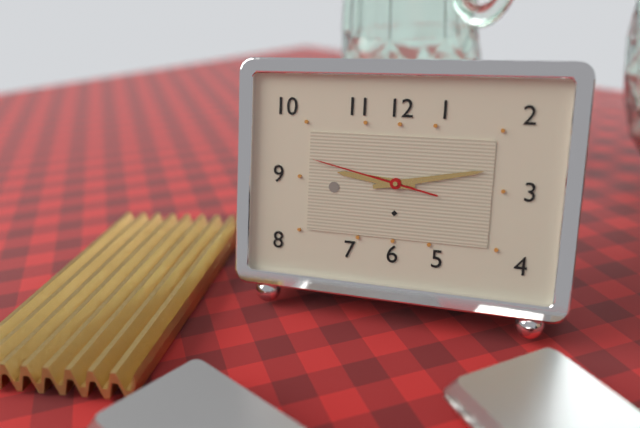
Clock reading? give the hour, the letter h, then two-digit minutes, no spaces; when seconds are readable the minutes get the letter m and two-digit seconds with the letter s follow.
9h13m47s
